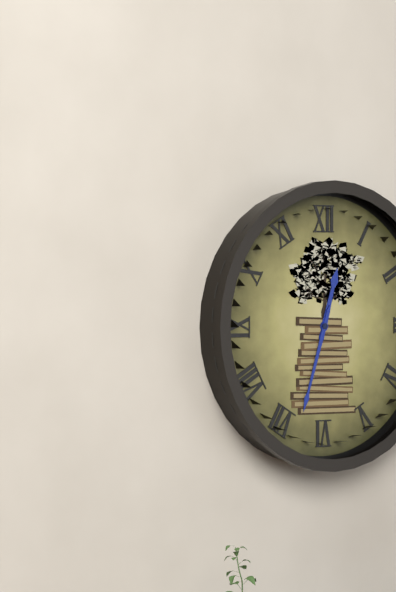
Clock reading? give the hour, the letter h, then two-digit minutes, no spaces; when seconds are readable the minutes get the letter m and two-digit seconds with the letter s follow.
12h33
